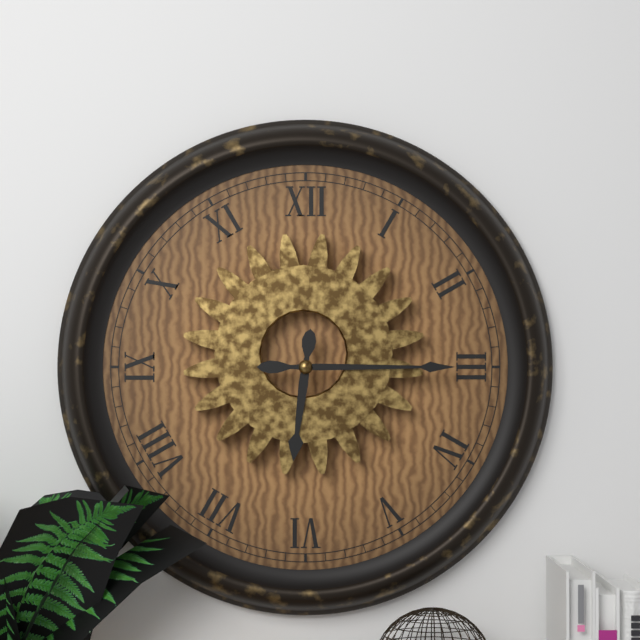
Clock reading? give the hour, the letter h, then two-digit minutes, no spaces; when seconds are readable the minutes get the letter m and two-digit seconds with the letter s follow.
6h15
